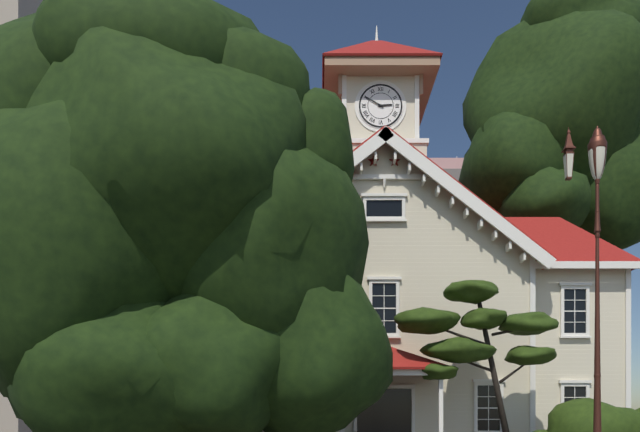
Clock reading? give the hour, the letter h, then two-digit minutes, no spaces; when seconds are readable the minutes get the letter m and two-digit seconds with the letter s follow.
2h50
